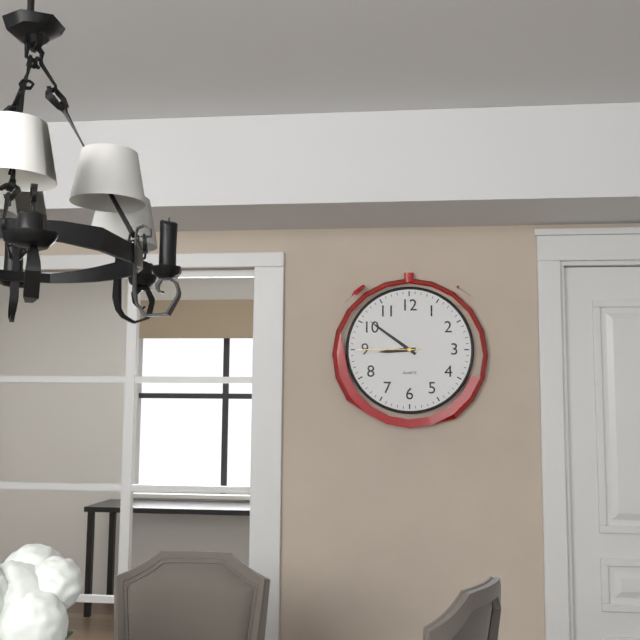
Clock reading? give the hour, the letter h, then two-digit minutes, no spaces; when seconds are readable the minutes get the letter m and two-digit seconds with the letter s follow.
8h51m45s
